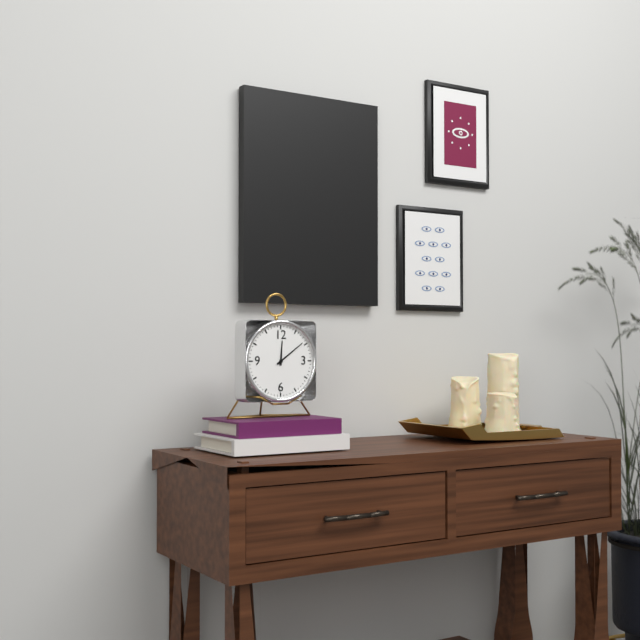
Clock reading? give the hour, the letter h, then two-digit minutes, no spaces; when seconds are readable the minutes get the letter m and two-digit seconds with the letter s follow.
12h09
